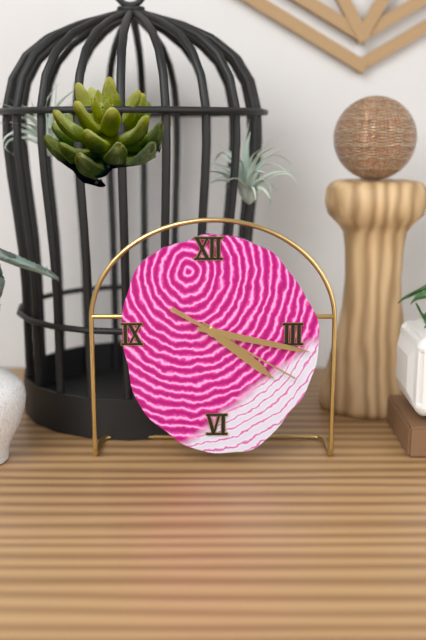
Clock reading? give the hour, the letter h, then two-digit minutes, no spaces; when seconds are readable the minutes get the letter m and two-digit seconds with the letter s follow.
4h17m20s
